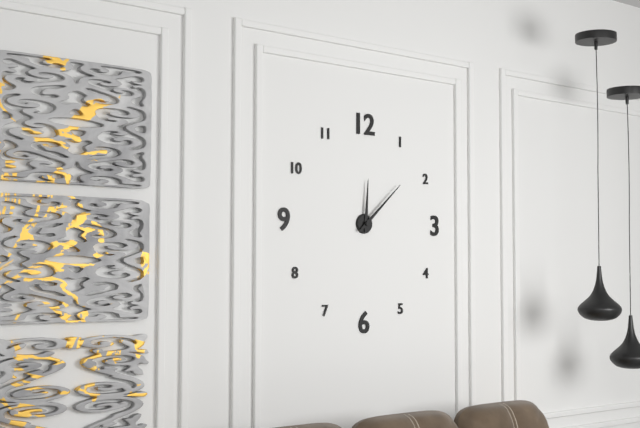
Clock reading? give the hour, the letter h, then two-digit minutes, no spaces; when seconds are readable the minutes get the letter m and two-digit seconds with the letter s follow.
12h08
